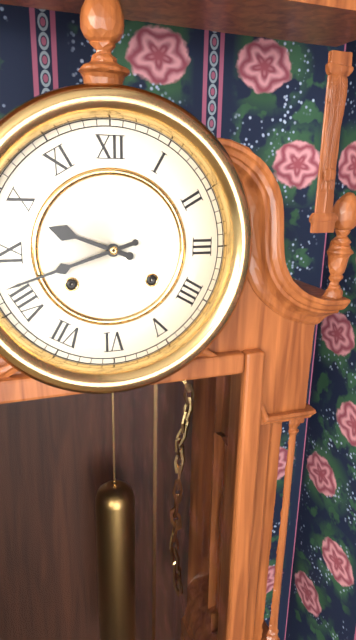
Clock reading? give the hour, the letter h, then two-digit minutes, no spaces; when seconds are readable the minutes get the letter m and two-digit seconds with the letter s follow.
9h42
